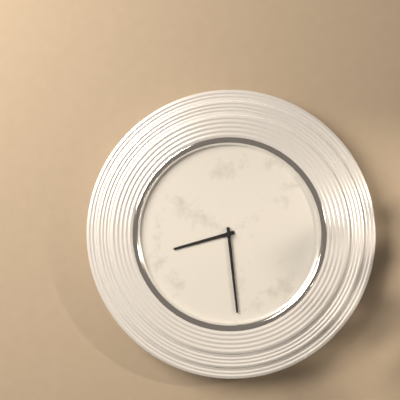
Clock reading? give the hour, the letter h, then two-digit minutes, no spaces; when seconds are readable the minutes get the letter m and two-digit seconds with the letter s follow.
8h29
